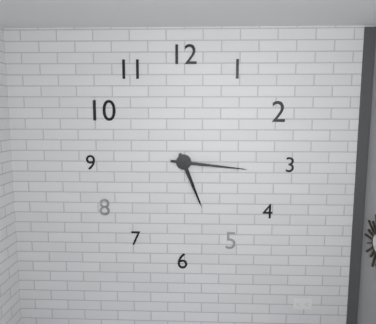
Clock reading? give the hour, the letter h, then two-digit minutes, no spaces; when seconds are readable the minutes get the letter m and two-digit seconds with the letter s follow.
5h16
